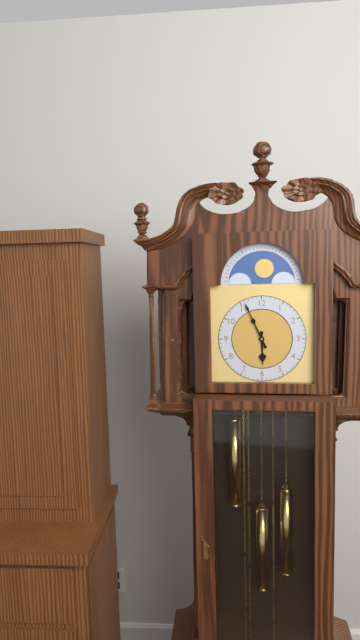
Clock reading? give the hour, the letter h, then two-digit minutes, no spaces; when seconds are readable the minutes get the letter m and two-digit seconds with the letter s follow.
5h56
